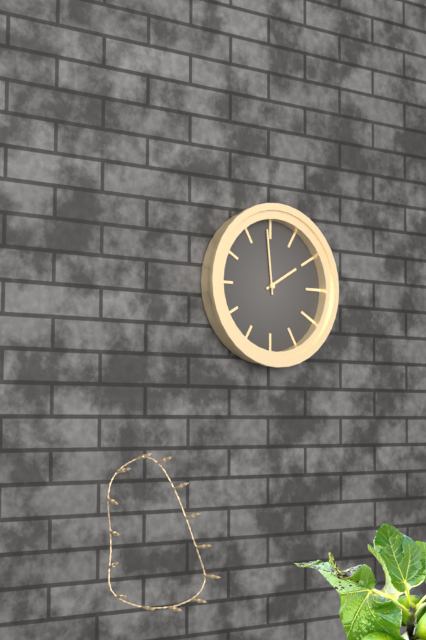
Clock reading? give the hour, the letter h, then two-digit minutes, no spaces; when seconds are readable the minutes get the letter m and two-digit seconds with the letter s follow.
1h59
